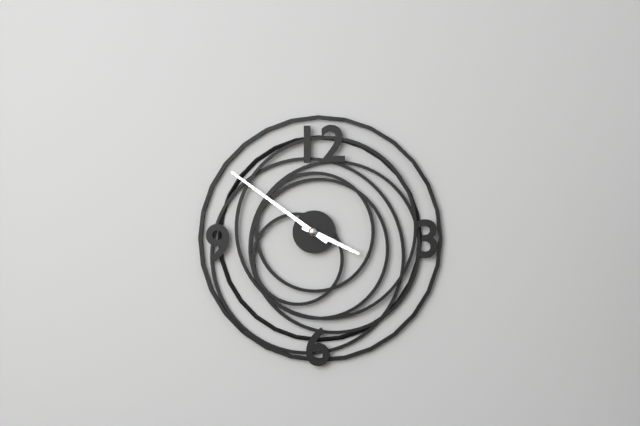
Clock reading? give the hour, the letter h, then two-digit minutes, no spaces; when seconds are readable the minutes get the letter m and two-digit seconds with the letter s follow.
3h51
